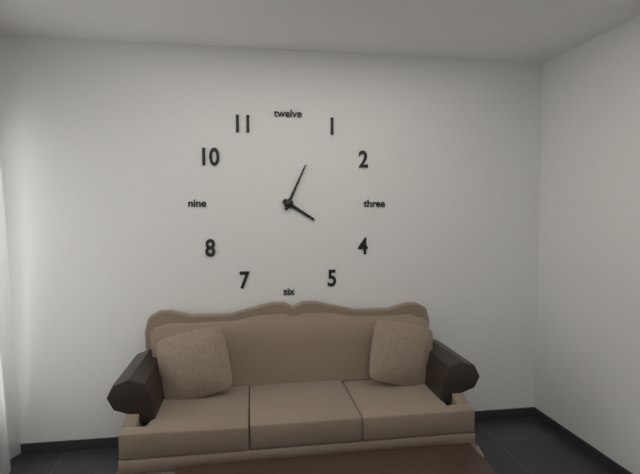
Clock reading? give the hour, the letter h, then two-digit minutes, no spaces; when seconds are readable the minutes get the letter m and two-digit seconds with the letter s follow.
4h04
